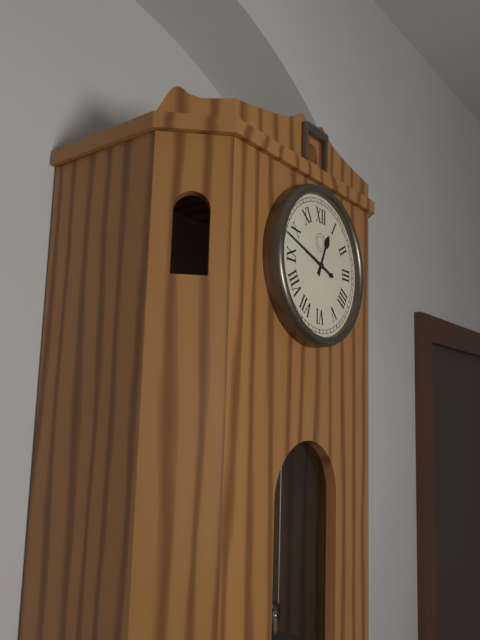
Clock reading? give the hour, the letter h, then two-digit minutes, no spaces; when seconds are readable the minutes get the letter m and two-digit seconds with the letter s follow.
12h48
